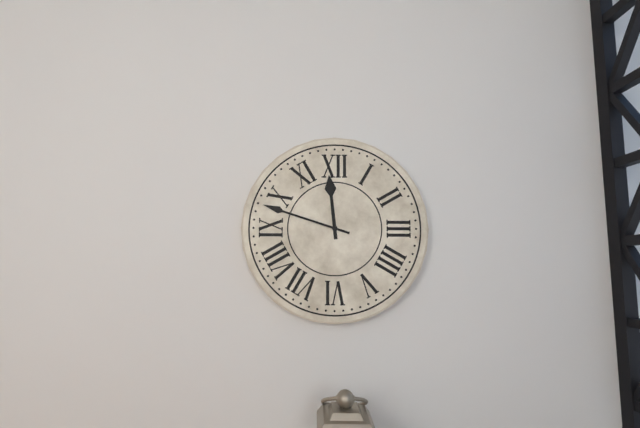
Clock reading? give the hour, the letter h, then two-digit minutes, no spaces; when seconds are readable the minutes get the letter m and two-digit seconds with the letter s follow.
11h48
